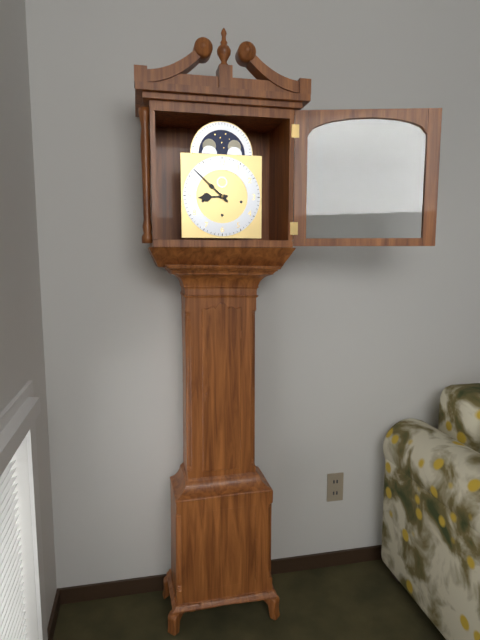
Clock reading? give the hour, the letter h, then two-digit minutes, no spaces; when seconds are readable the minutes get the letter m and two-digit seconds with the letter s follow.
8h52
